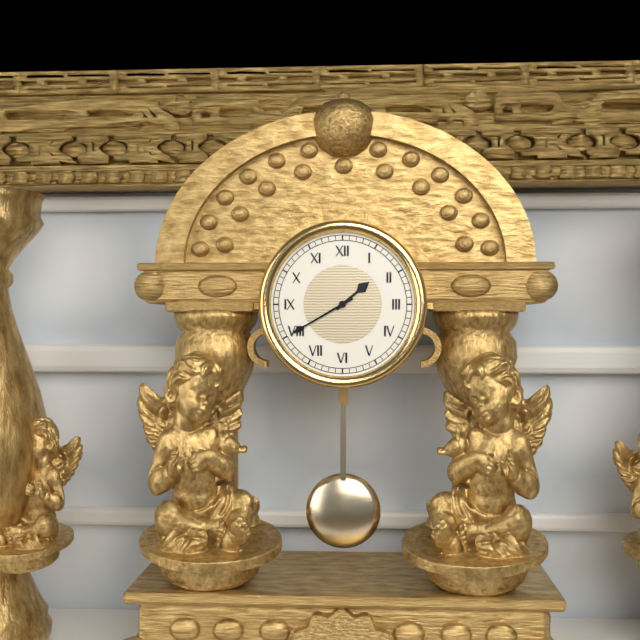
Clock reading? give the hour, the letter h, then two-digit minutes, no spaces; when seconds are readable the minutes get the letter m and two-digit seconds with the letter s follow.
1h40
